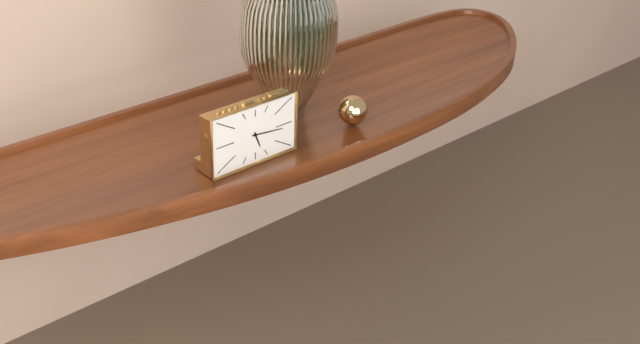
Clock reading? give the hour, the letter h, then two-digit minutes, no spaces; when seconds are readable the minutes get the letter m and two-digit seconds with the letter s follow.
5h16
